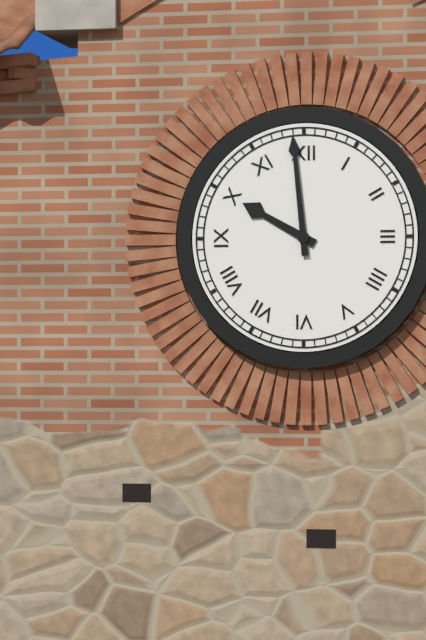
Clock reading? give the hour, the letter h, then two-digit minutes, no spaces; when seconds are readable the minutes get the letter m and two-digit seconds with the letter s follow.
9h59
